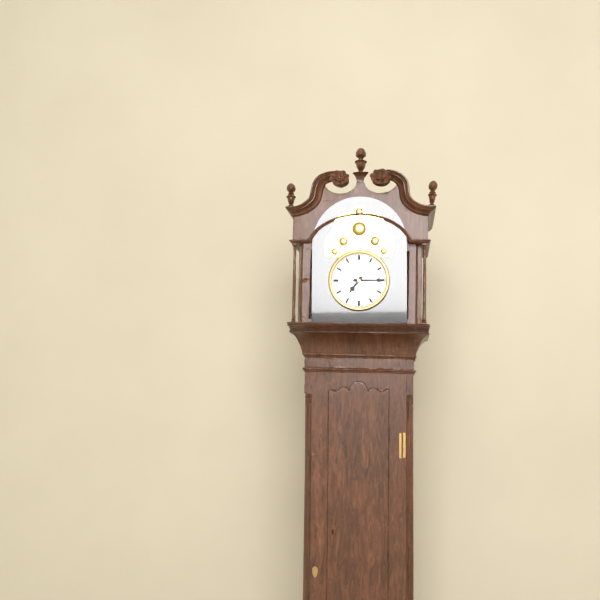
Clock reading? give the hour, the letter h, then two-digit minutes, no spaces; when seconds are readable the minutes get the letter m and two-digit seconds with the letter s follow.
7h15
